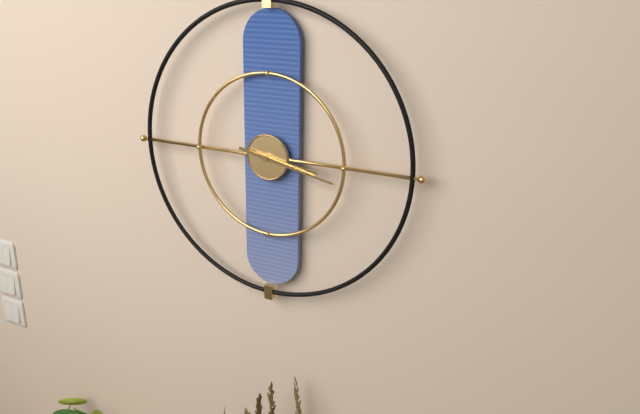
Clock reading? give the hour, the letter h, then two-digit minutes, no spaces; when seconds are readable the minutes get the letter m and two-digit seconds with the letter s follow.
3h17
